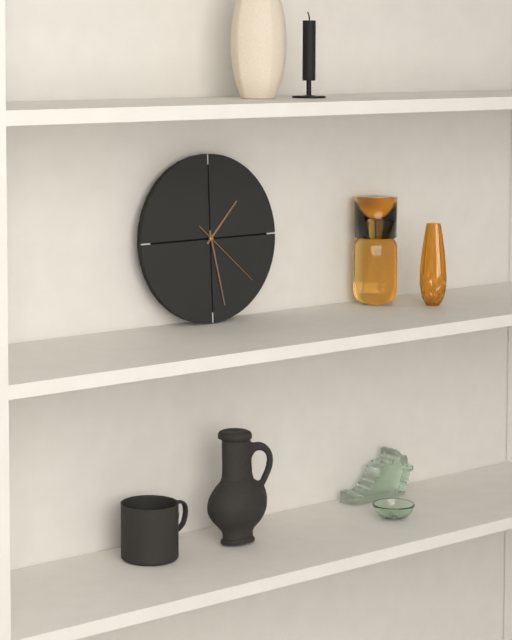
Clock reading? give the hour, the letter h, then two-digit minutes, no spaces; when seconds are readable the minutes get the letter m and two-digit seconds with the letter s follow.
1h28m22s
